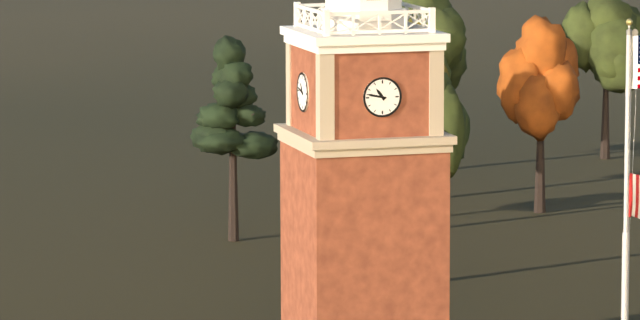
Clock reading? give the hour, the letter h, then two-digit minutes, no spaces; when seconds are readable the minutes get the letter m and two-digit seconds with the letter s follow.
10h47
